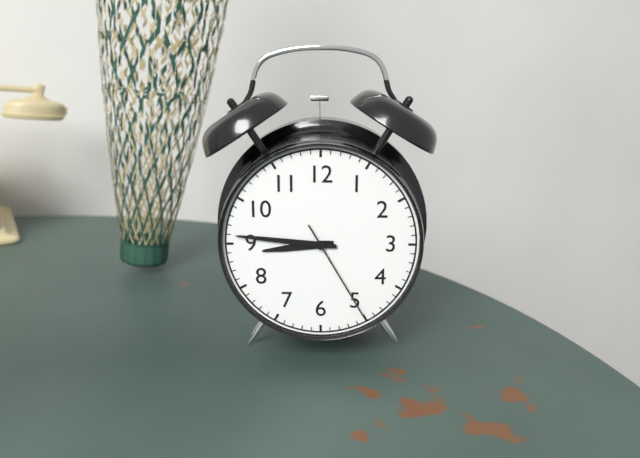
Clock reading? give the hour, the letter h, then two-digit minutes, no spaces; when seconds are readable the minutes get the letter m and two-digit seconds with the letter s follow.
8h46m25s
